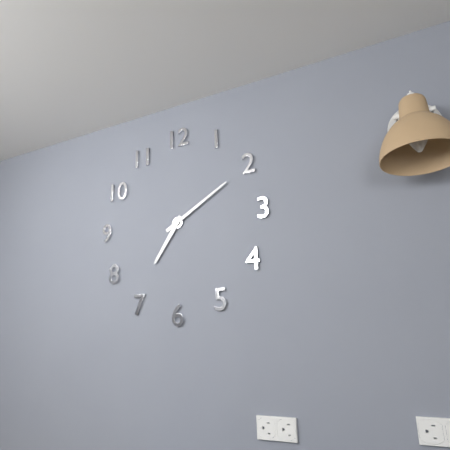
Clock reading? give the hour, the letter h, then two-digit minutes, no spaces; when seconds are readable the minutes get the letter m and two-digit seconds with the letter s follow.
7h10
